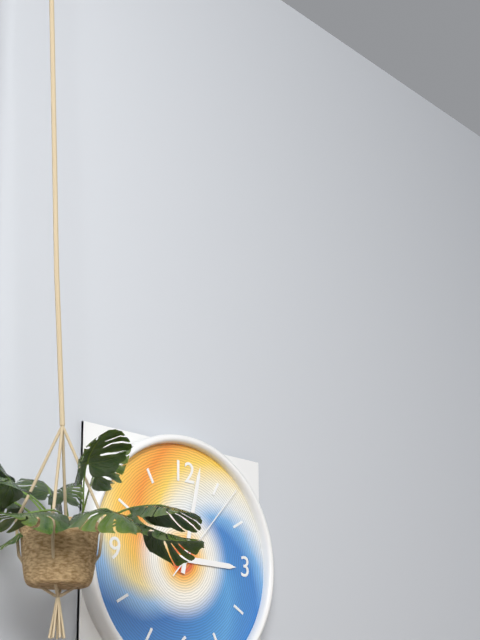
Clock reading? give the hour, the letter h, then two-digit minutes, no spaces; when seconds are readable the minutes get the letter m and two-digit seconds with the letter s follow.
3h02m07s
